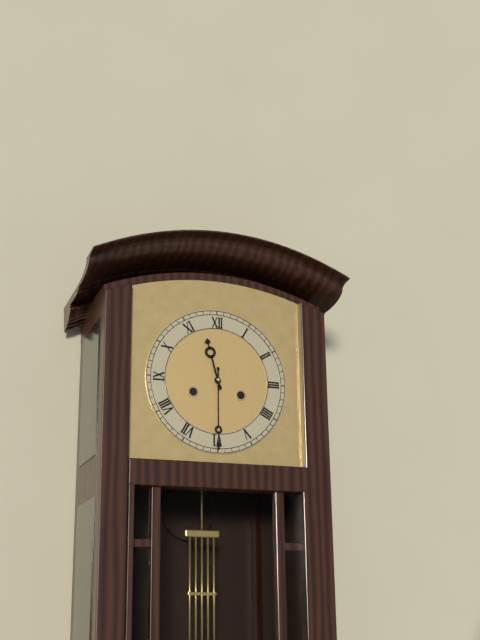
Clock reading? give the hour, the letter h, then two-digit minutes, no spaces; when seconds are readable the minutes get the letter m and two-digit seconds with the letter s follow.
11h30
